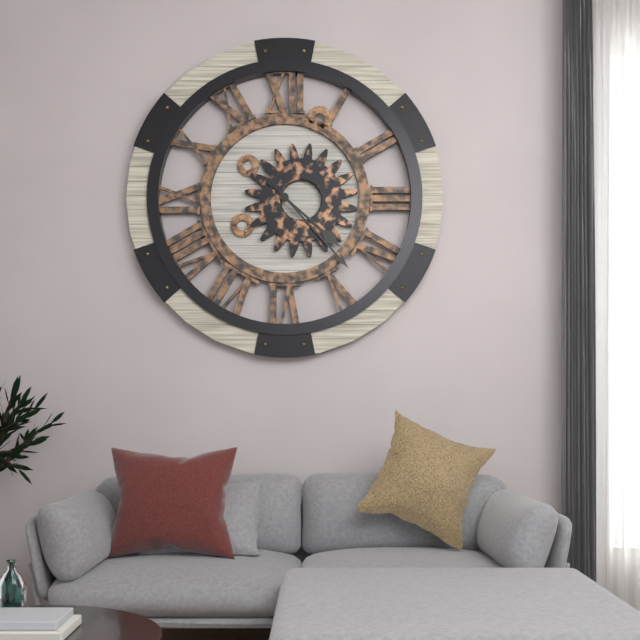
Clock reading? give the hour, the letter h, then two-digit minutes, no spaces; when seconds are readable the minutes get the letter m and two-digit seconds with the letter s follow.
4h23
